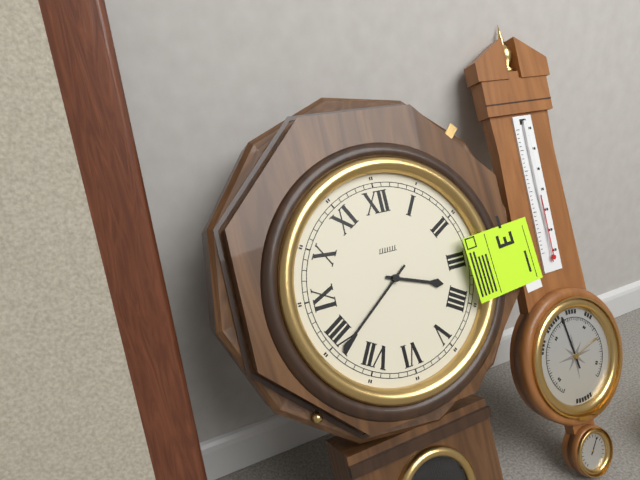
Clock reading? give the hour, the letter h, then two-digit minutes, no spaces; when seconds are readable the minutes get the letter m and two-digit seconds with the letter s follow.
3h39
